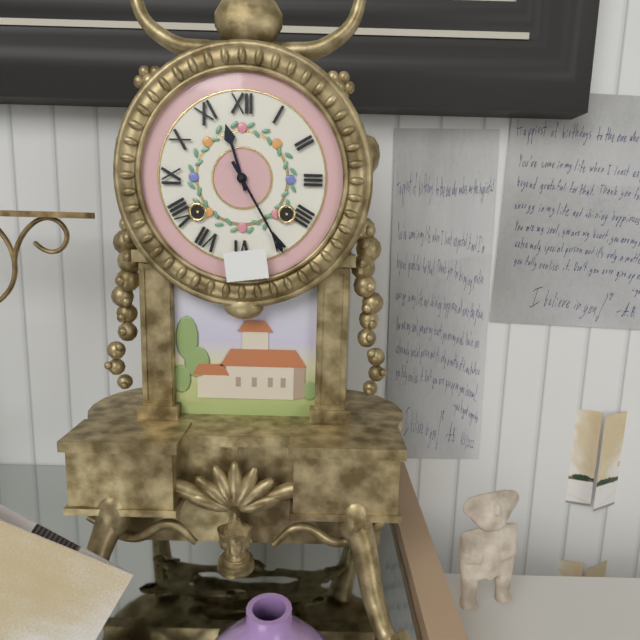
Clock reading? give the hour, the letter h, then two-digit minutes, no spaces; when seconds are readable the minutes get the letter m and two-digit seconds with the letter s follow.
11h25
